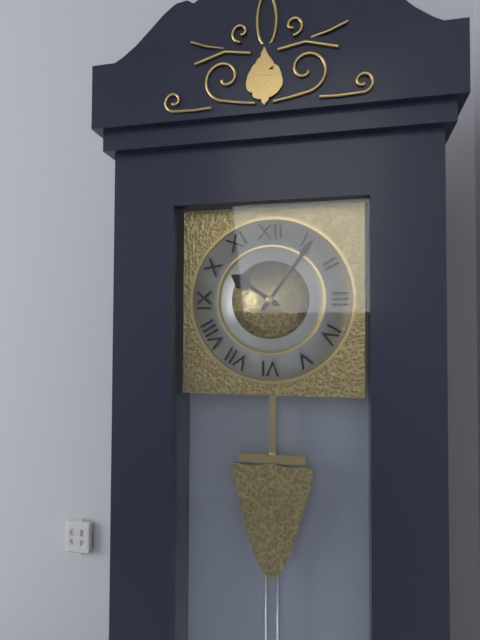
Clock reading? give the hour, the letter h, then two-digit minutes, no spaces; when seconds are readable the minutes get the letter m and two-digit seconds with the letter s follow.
10h06
